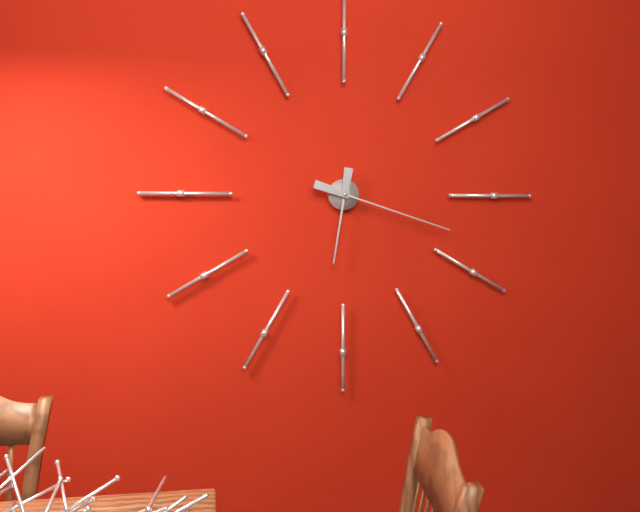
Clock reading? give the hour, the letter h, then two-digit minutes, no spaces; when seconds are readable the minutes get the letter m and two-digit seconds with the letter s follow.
6h18
